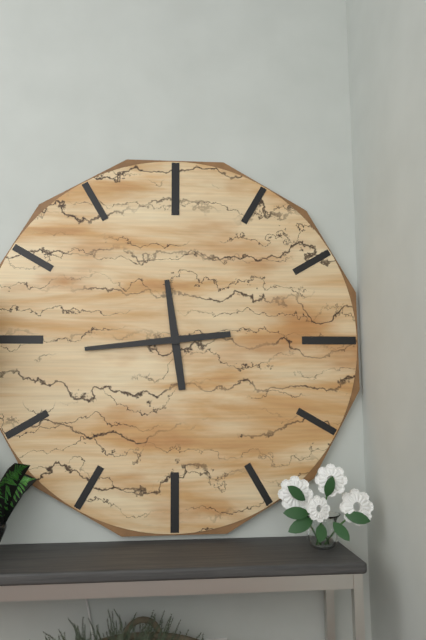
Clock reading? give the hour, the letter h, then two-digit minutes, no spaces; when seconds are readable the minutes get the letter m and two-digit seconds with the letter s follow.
11h44
